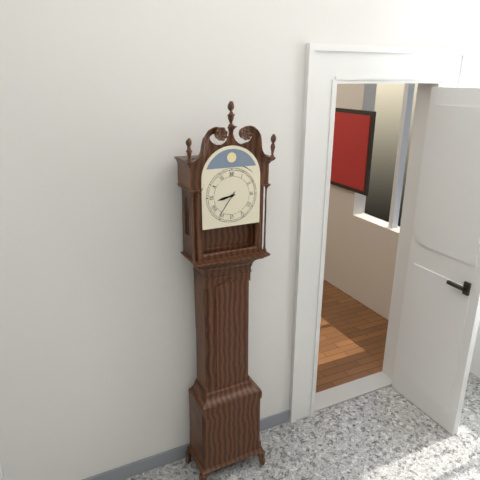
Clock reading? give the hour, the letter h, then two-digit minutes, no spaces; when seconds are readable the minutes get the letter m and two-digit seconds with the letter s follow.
8h36
